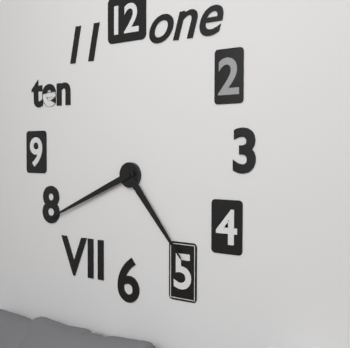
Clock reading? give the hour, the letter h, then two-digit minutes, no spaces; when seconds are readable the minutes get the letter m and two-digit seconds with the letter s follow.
4h41
